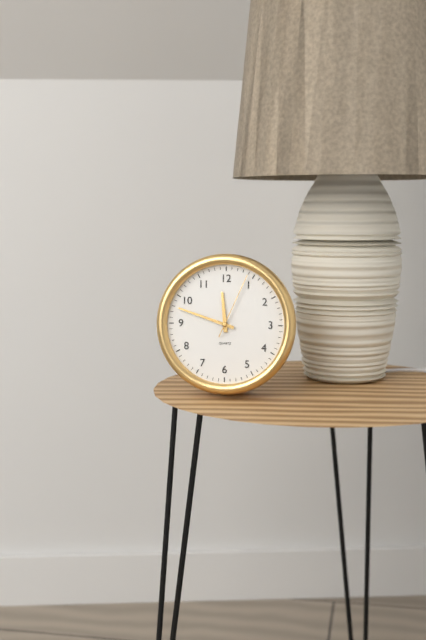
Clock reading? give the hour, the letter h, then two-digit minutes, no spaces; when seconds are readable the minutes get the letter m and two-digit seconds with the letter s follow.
11h48m04s
